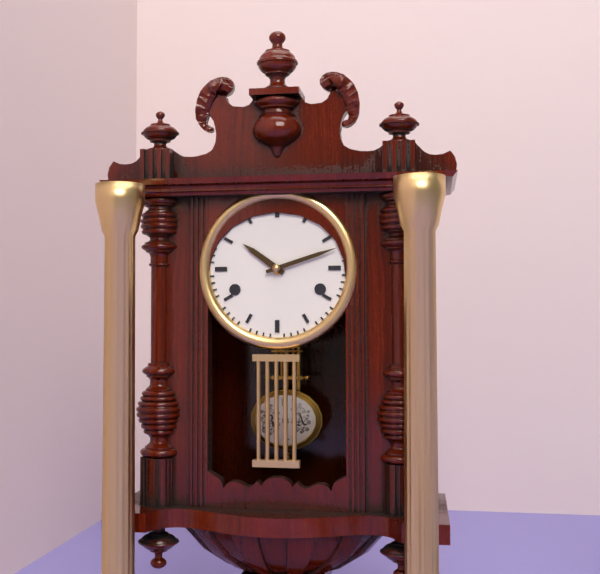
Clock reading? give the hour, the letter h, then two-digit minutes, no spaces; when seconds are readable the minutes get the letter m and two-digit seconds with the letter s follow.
10h12
